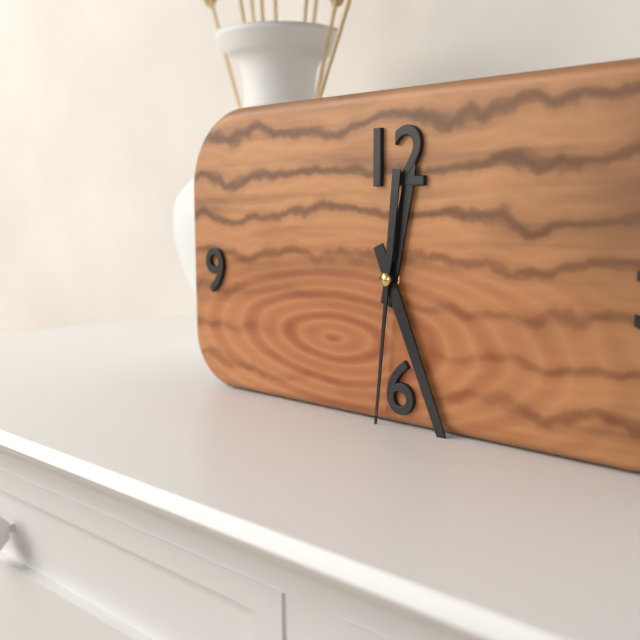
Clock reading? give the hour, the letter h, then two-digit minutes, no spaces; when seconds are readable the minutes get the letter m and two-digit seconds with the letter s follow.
12h26m31s
